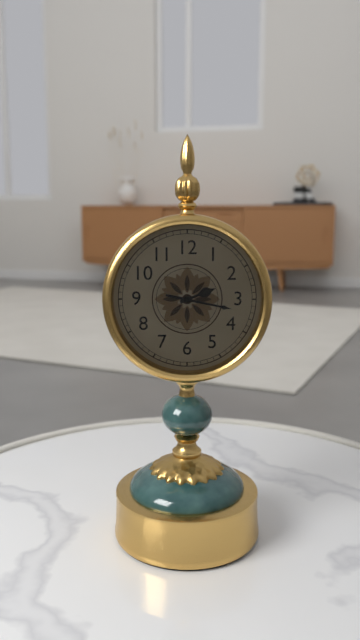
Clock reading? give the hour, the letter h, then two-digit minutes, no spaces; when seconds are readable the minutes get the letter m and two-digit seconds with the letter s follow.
2h17
